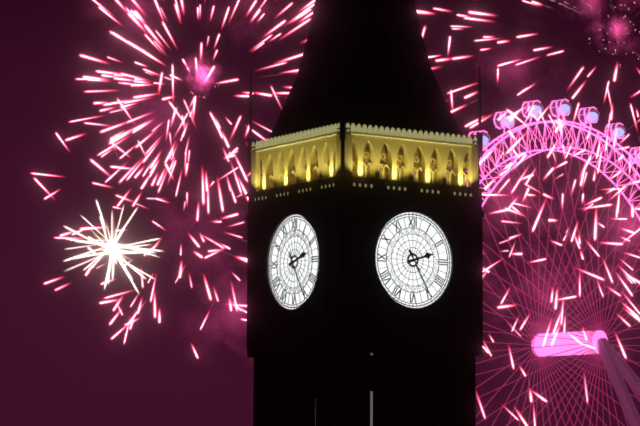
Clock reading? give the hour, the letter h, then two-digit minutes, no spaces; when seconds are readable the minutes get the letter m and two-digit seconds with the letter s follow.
2h25
